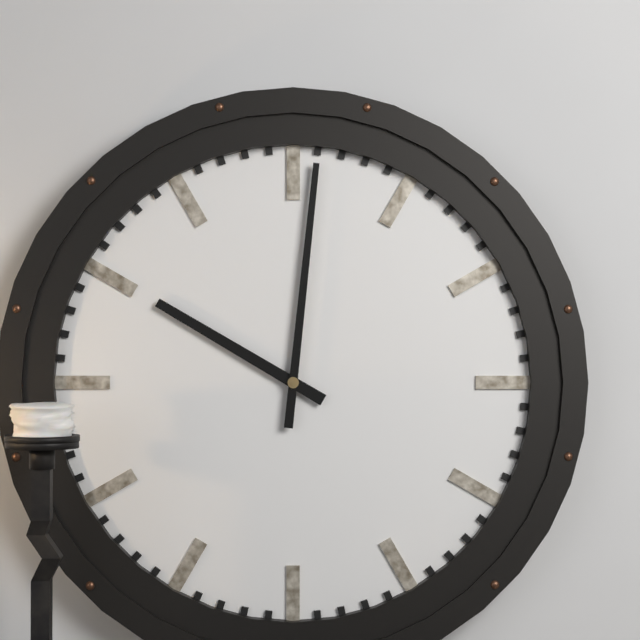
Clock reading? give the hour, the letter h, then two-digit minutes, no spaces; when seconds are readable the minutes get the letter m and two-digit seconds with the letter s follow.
10h01
